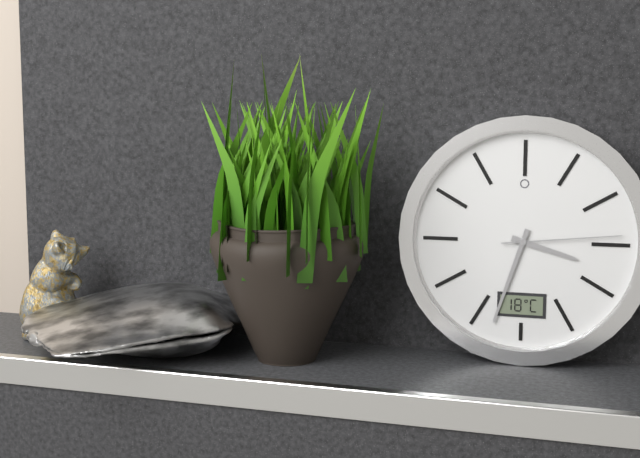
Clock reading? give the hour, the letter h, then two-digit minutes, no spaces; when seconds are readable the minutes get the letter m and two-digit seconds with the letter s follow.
3h33m14s
